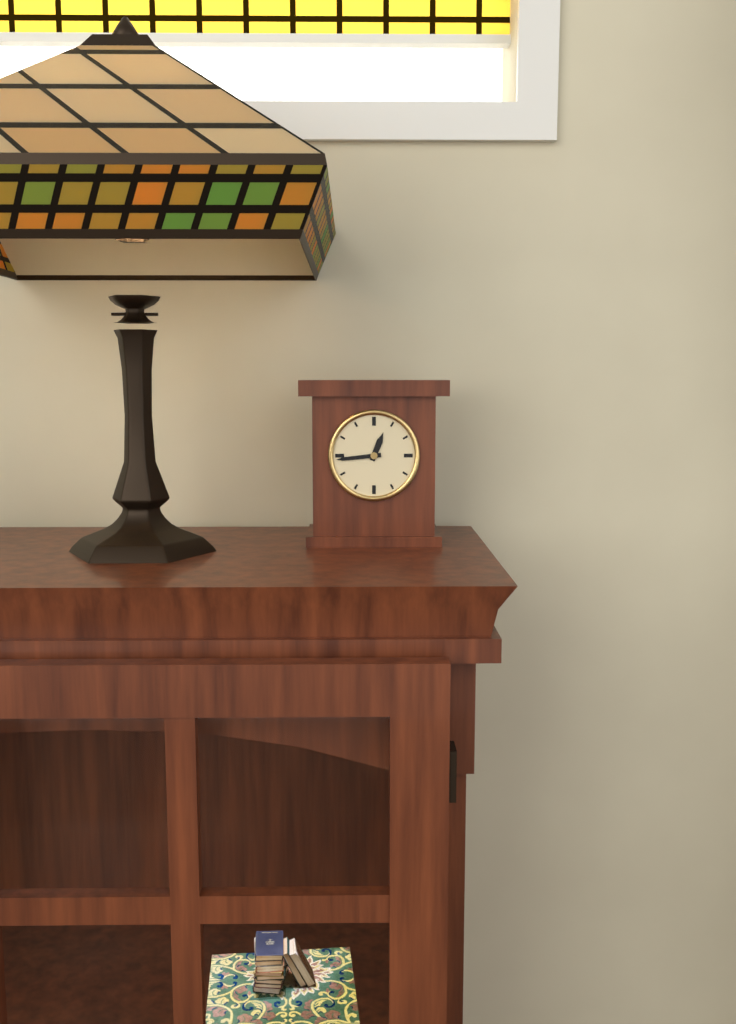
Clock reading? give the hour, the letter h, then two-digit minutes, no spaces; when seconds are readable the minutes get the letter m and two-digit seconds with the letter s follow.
12h44
